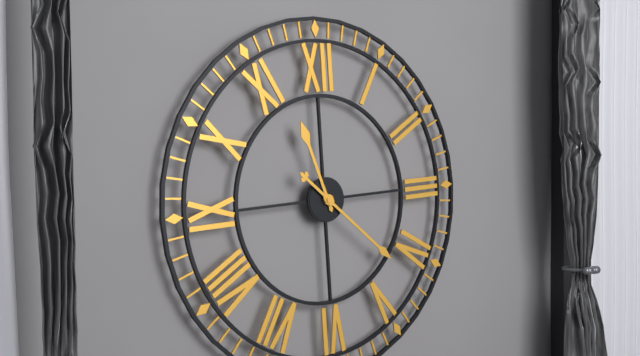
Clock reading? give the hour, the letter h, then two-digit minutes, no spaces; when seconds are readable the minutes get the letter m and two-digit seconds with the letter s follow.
11h22
